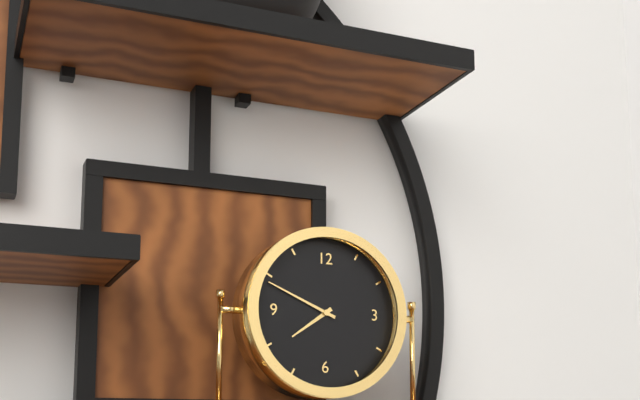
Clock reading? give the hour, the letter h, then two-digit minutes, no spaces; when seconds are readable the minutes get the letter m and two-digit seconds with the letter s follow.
7h49
